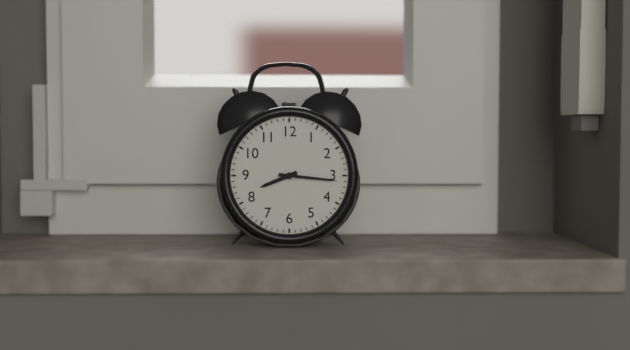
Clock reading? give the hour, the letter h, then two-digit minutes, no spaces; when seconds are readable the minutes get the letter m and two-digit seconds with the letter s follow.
8h16
